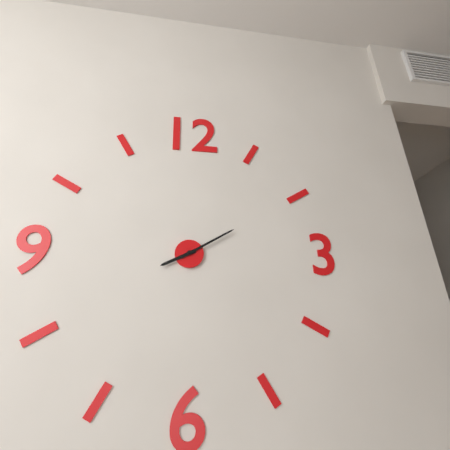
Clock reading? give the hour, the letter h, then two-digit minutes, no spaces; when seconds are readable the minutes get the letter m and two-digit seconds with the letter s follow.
8h10
